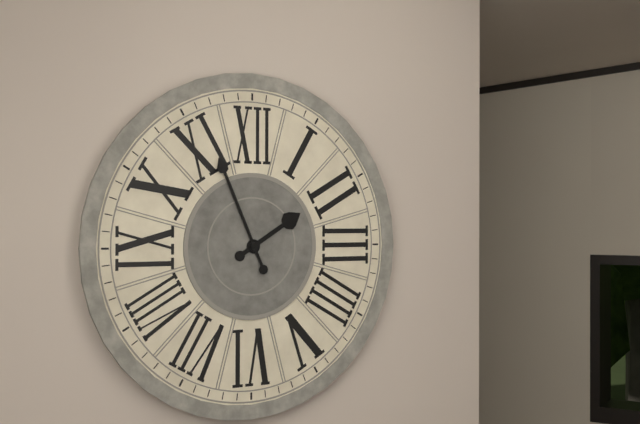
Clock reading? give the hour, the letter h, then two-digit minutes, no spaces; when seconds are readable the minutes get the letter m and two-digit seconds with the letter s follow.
1h56
